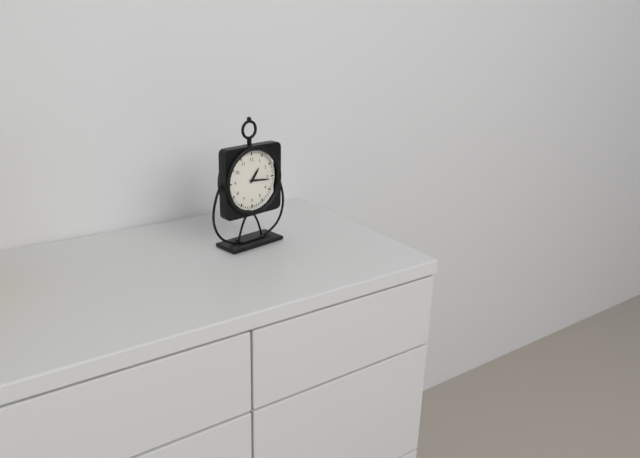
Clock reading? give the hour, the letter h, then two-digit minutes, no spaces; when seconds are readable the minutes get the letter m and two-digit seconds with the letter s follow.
1h16
